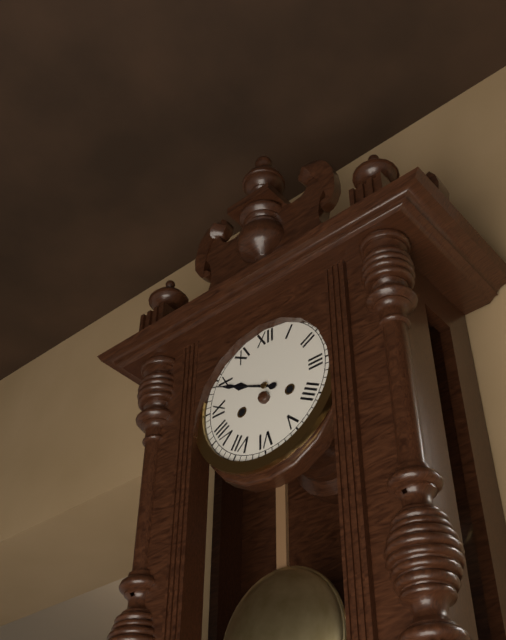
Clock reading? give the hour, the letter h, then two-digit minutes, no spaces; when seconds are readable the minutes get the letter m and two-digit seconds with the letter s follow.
9h49
